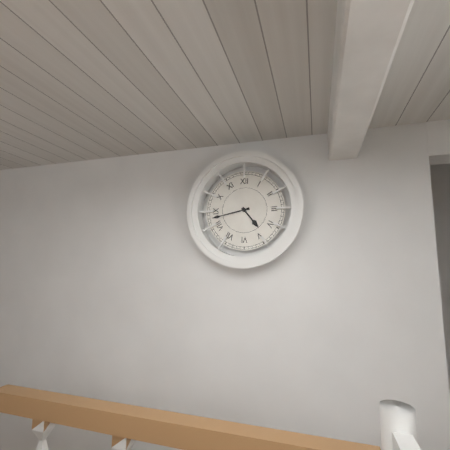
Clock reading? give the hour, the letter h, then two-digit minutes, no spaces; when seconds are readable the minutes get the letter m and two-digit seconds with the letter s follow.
4h43
